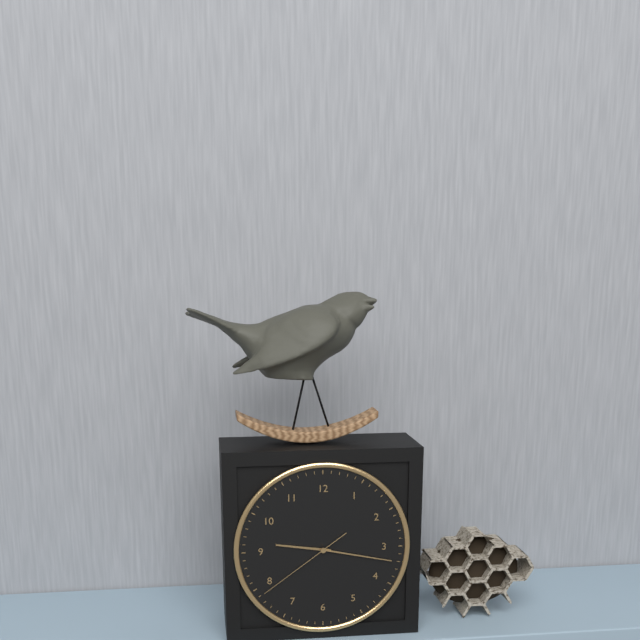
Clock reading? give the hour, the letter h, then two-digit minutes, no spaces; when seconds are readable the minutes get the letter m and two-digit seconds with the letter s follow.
9h17m39s
